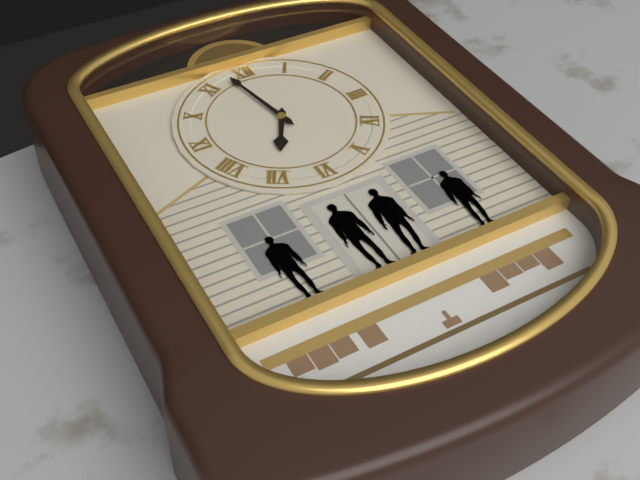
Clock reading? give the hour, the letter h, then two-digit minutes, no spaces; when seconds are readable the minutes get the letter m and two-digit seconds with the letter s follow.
6h58
